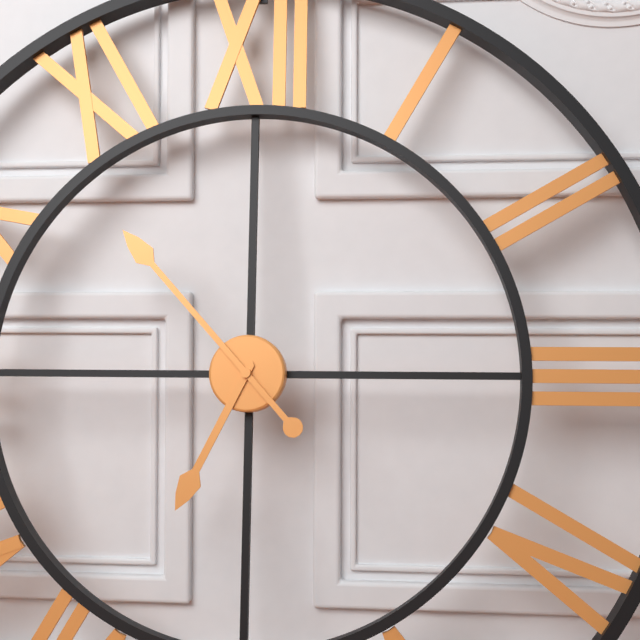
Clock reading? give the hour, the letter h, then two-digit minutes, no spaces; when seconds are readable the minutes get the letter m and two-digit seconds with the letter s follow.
6h53
